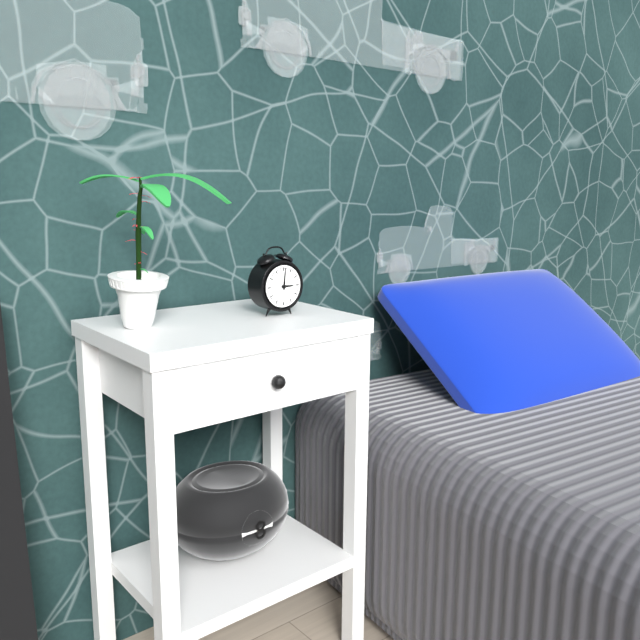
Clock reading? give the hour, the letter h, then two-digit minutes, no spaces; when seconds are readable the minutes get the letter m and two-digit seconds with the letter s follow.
3h01
